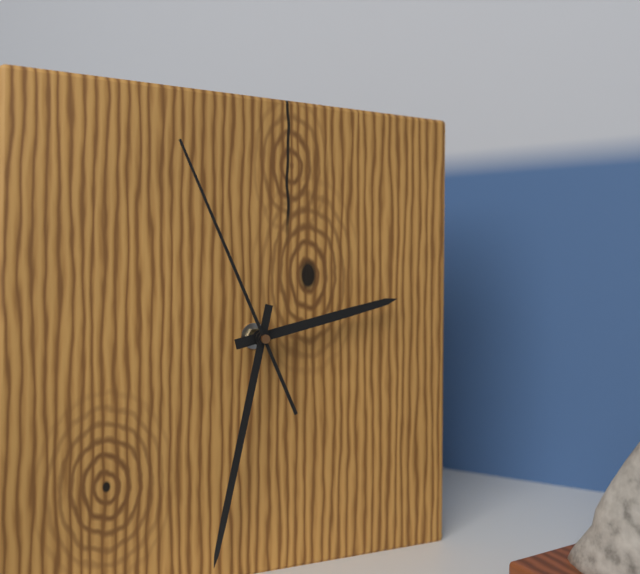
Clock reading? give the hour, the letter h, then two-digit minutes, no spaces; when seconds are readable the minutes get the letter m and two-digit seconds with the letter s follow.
2h32m56s
